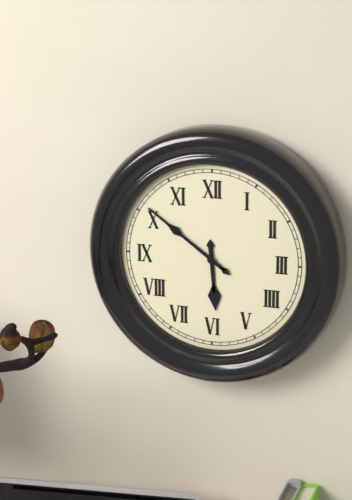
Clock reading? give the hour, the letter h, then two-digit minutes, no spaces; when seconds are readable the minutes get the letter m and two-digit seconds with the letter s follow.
5h51
